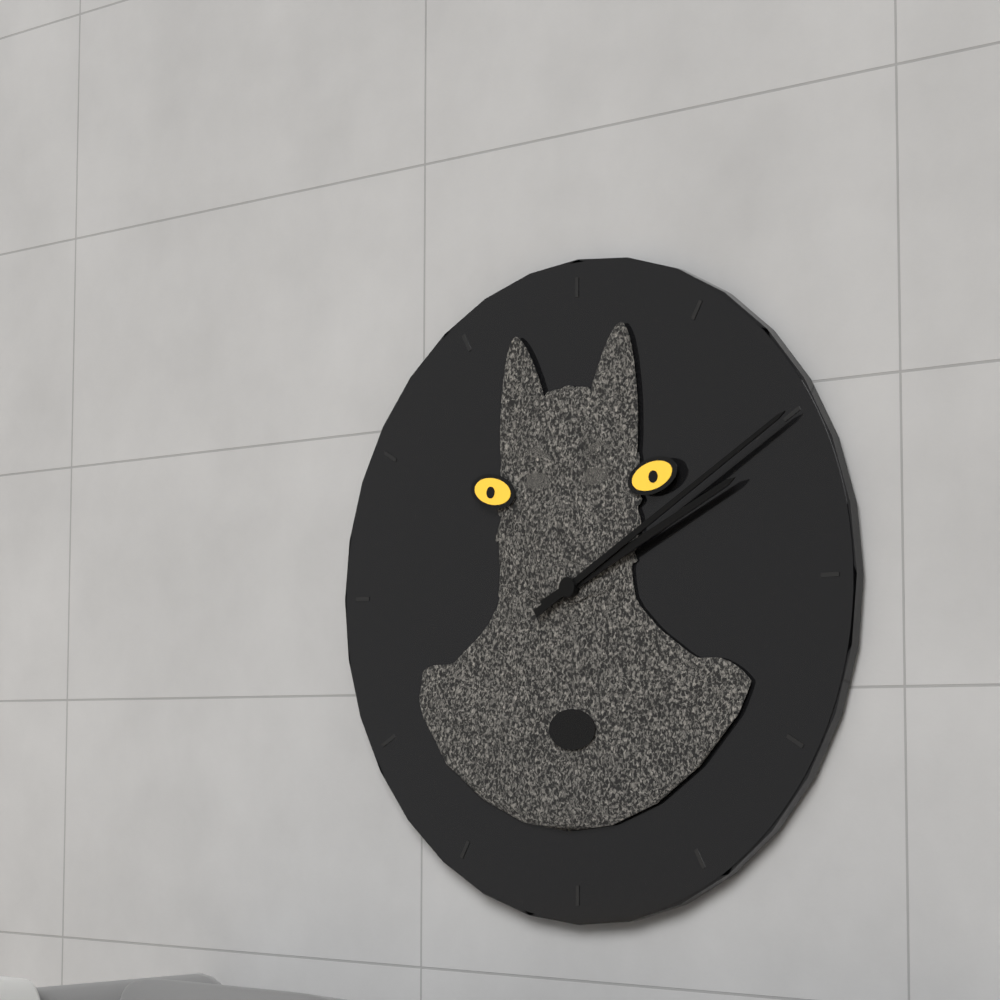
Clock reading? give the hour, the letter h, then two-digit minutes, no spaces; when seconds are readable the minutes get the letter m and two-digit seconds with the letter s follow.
2h10
